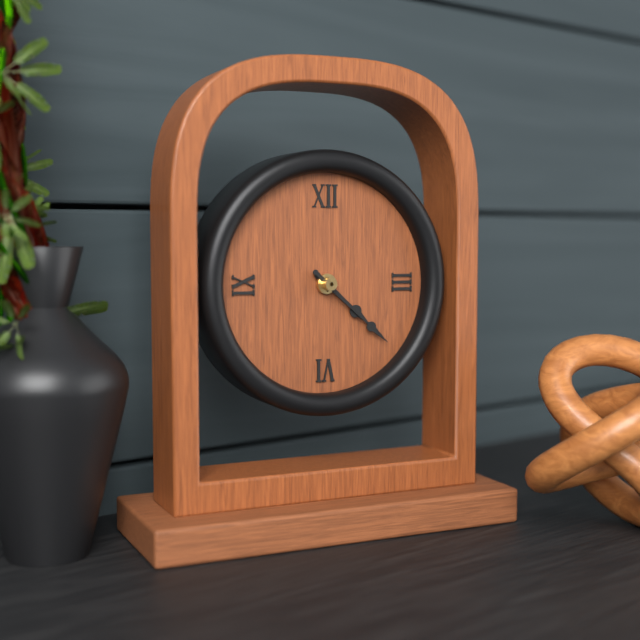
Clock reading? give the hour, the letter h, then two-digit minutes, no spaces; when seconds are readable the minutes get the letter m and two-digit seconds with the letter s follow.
4h22
